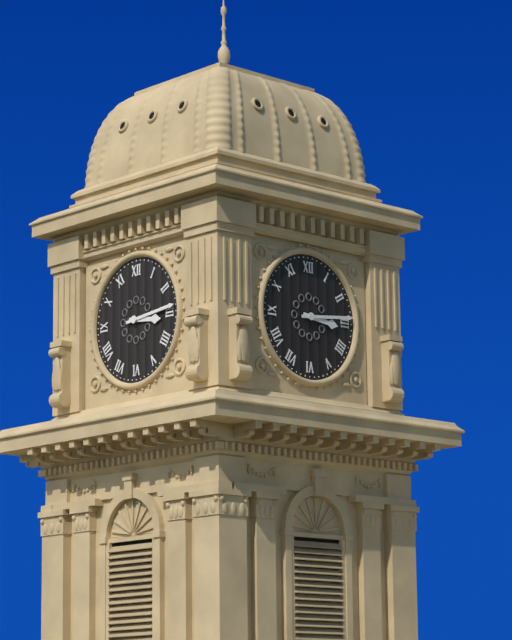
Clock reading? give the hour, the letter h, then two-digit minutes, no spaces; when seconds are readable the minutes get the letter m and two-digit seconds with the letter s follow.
3h14
